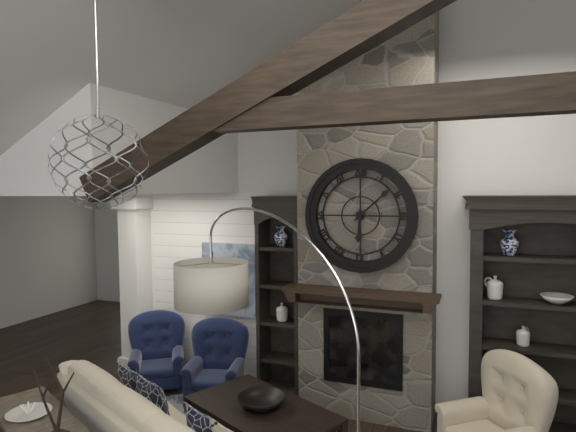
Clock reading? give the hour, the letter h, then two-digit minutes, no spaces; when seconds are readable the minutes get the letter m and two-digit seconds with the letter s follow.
6h08
